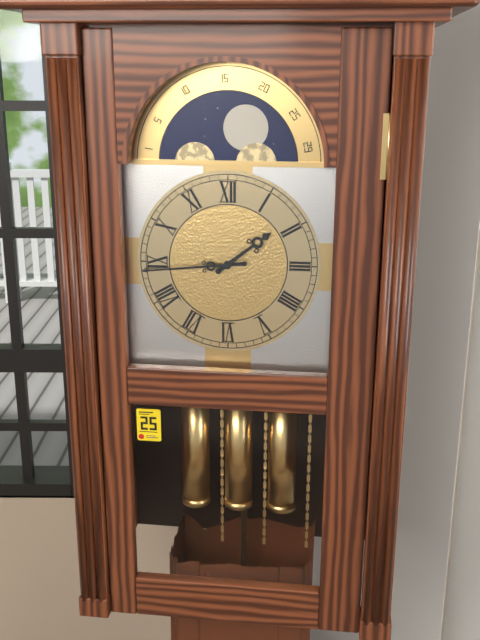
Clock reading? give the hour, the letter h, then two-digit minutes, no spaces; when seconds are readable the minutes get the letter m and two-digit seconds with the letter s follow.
1h44
